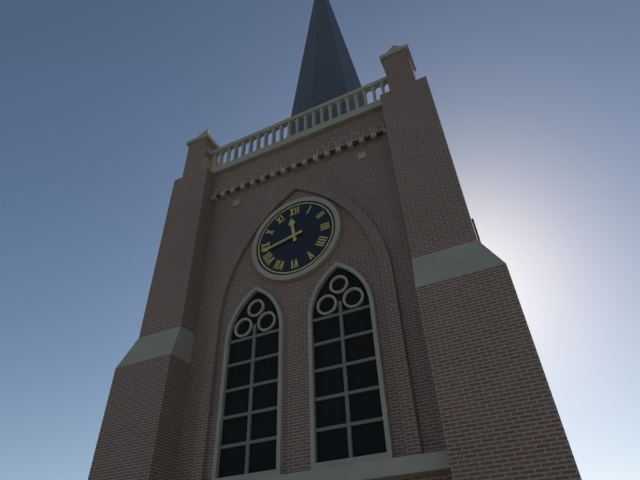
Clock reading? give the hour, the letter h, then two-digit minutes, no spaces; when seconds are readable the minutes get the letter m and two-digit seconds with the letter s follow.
11h43
